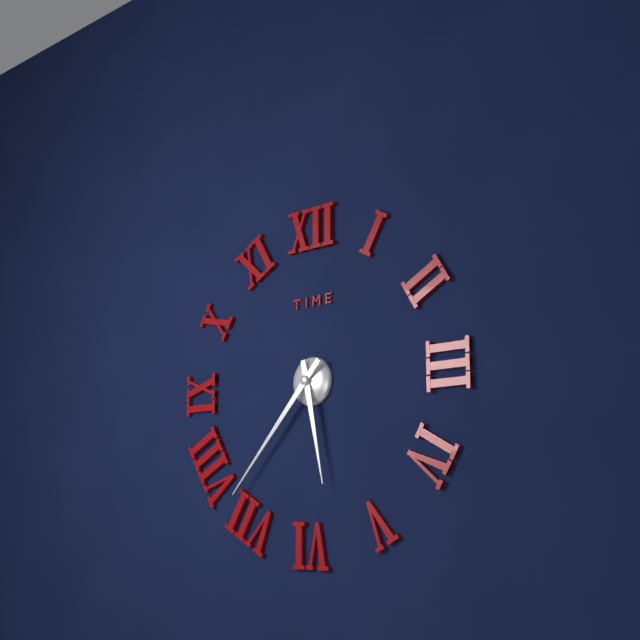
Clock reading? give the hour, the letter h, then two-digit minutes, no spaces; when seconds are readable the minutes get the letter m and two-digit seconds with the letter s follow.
5h37
